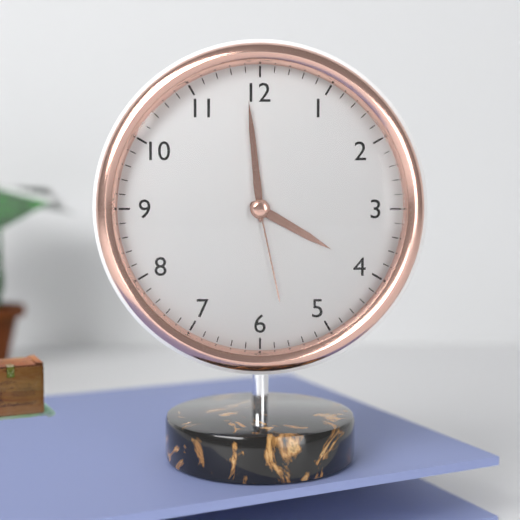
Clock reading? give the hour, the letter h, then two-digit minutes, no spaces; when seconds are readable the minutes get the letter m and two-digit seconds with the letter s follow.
3h59m28s
